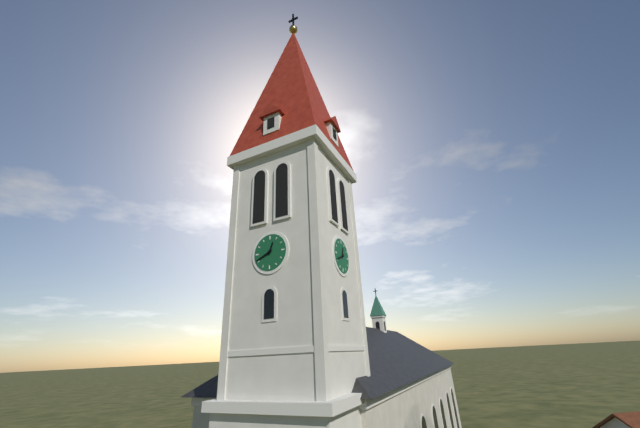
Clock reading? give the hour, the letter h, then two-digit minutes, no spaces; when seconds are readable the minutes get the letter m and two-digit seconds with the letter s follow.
12h41
